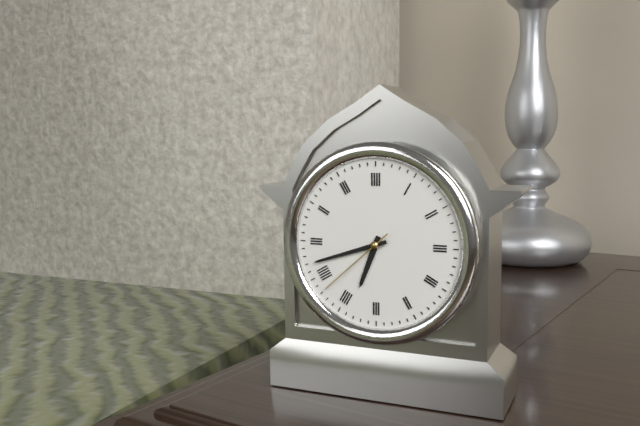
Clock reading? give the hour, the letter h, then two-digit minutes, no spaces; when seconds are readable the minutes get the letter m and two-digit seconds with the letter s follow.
6h42m38s
